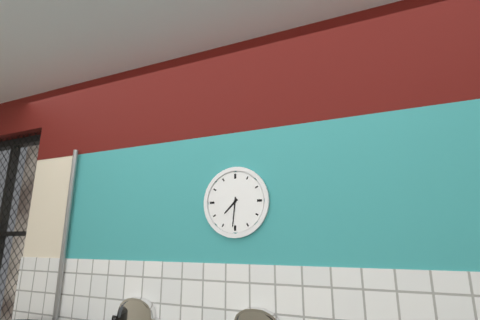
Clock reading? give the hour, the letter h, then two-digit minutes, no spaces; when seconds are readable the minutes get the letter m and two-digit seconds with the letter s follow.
7h31
